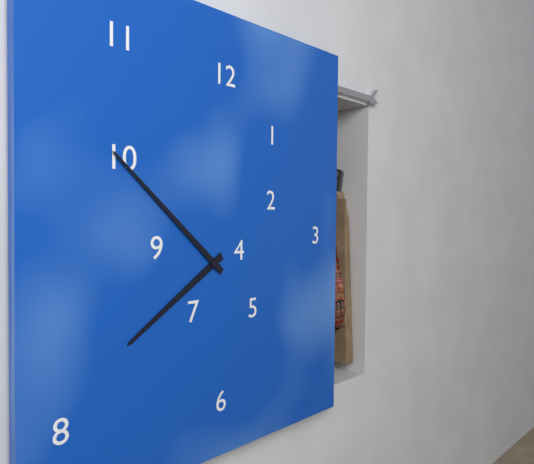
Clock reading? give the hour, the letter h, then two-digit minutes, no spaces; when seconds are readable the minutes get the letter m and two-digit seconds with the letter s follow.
7h52
